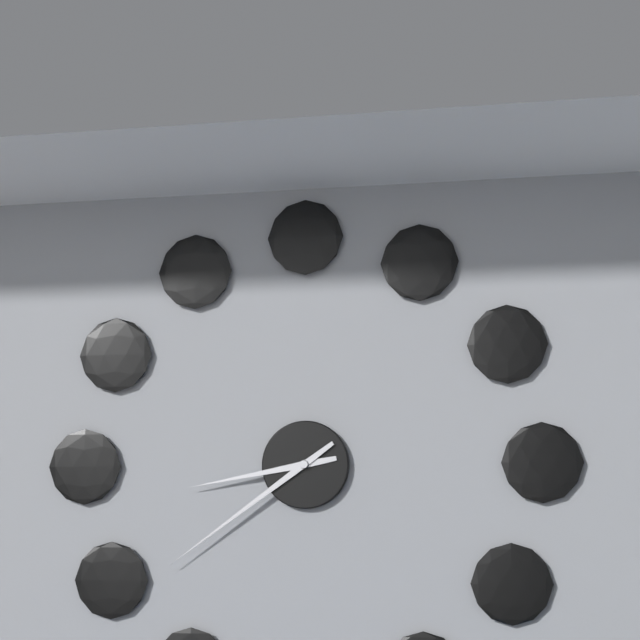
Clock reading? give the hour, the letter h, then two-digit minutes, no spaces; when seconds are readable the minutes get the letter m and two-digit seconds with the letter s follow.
8h39
